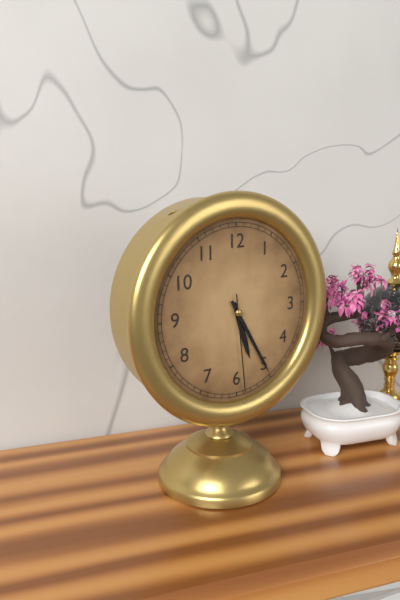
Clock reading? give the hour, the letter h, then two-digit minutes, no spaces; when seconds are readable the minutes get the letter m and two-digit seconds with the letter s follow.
5h25m29s
